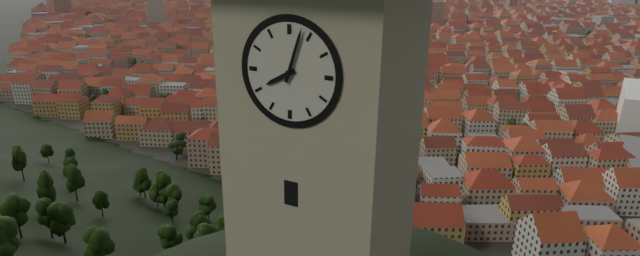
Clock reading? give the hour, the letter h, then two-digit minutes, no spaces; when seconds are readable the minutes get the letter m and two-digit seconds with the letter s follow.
8h03
